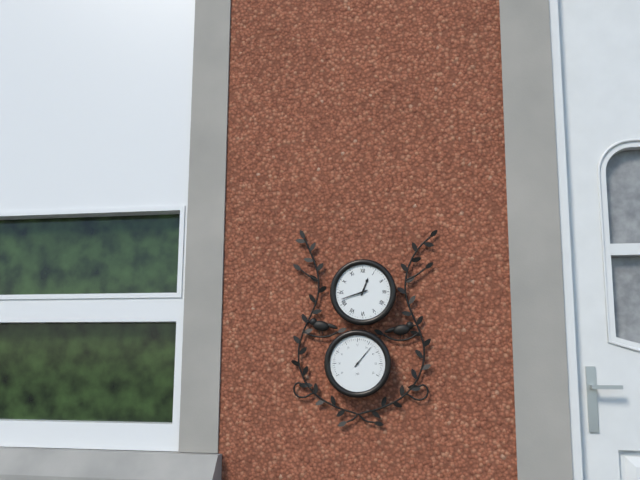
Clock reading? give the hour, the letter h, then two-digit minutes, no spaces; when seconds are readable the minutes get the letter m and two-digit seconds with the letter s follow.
12h42
